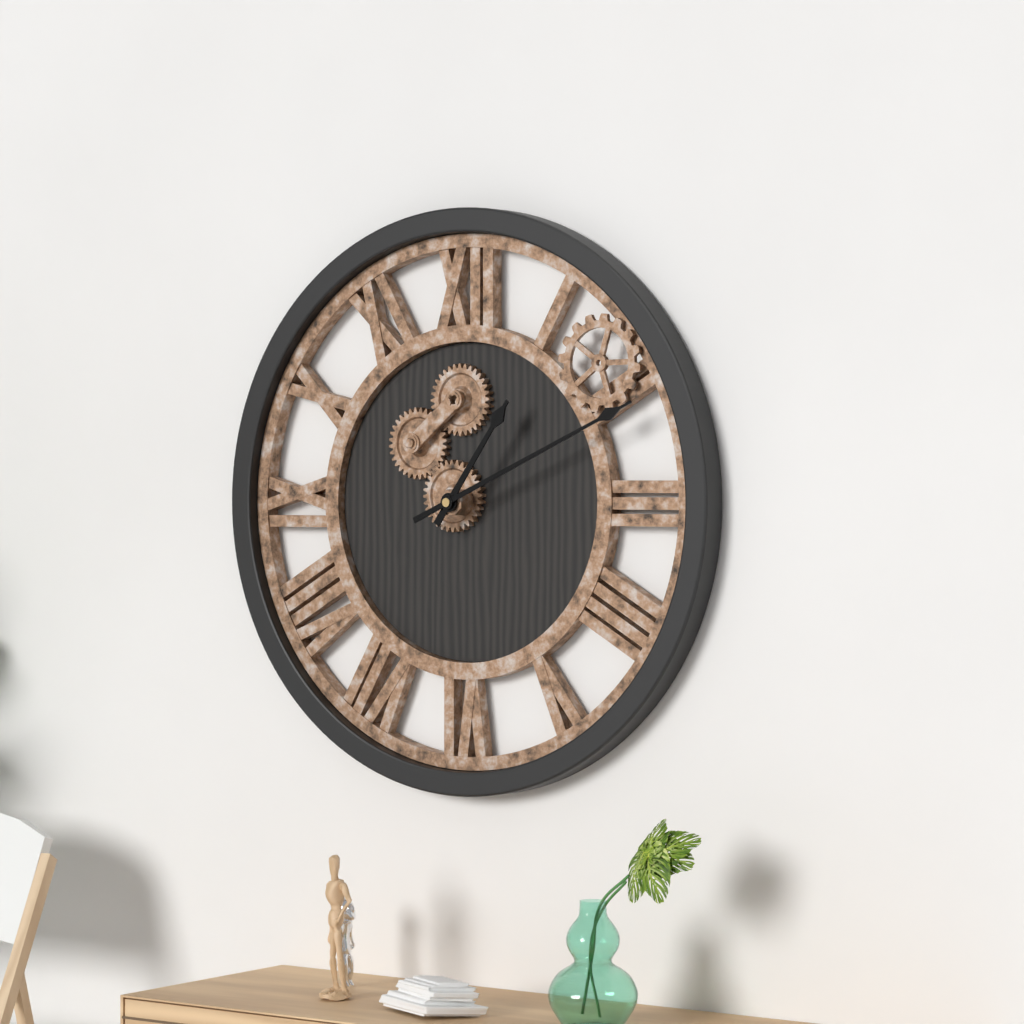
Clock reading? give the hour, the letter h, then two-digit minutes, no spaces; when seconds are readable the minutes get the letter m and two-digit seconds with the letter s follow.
1h11
